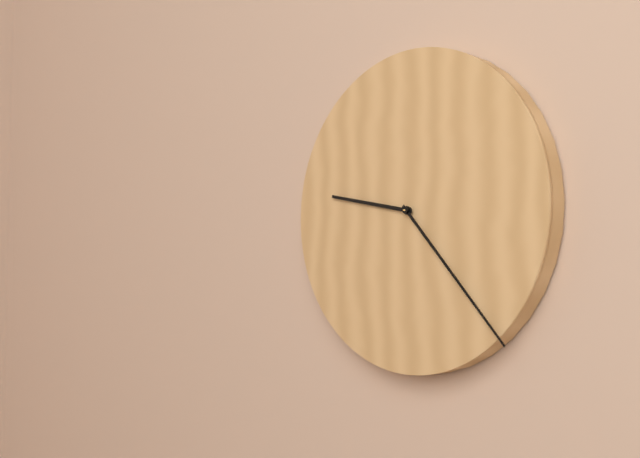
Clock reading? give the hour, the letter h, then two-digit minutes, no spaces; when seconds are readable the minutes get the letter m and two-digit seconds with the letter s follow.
9h23
